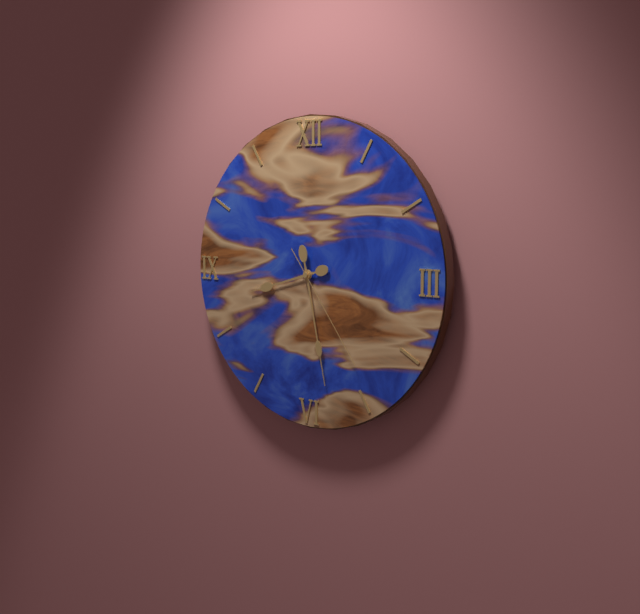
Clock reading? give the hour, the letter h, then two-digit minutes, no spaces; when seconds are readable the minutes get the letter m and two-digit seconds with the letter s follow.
8h28m24s
